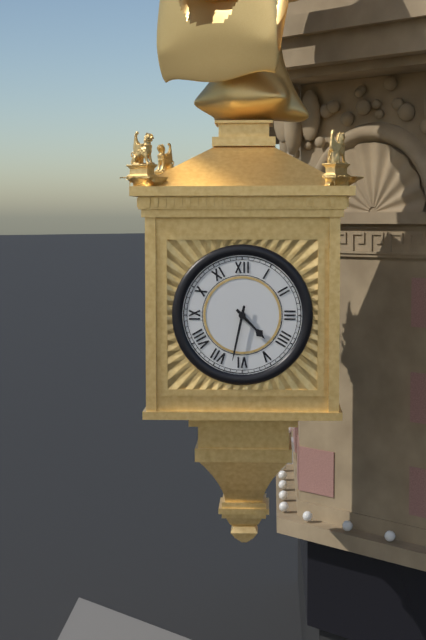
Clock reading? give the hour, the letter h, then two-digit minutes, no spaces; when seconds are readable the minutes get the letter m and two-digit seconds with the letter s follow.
4h32
